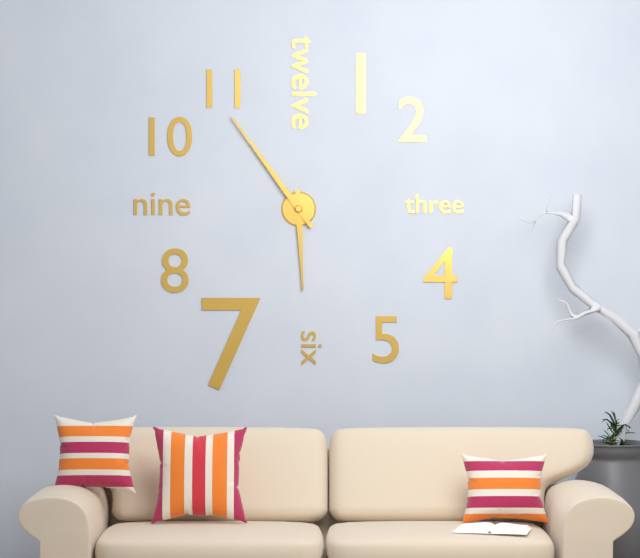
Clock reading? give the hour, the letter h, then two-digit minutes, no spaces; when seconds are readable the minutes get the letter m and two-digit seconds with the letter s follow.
5h54
